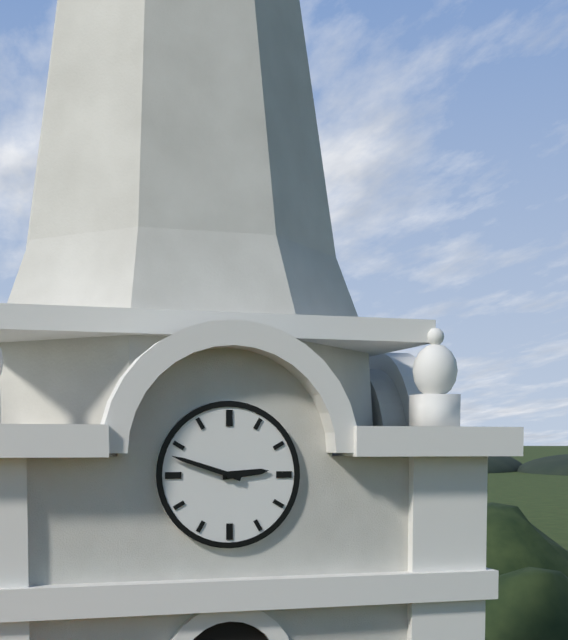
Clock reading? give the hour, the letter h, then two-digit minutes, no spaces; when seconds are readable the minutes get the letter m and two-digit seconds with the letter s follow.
2h48
